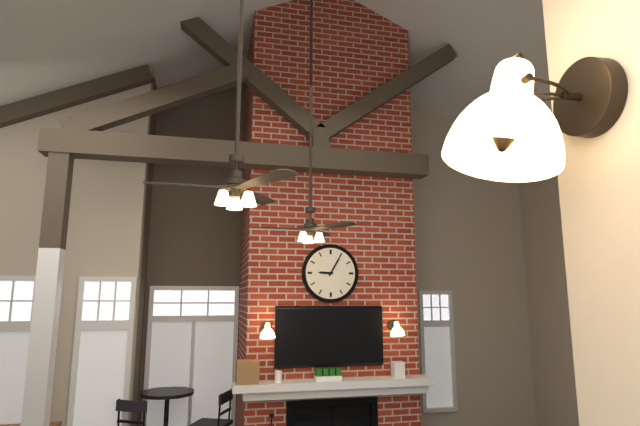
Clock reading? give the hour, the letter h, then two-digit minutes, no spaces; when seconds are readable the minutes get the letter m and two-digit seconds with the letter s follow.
9h05
